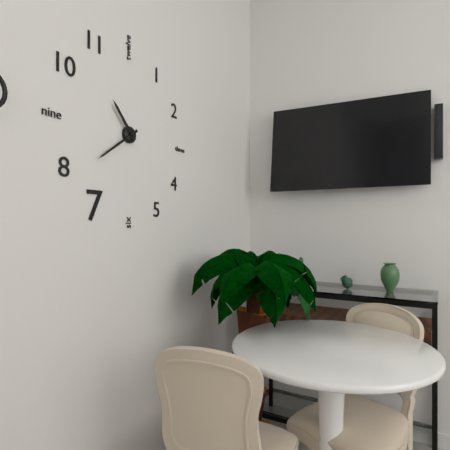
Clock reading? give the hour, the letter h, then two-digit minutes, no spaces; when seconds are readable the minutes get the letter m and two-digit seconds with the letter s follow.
10h39
